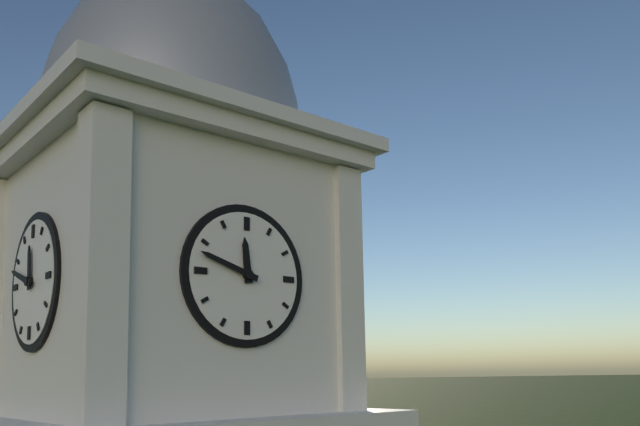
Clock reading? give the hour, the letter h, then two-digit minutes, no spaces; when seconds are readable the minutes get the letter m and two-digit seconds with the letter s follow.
11h48
